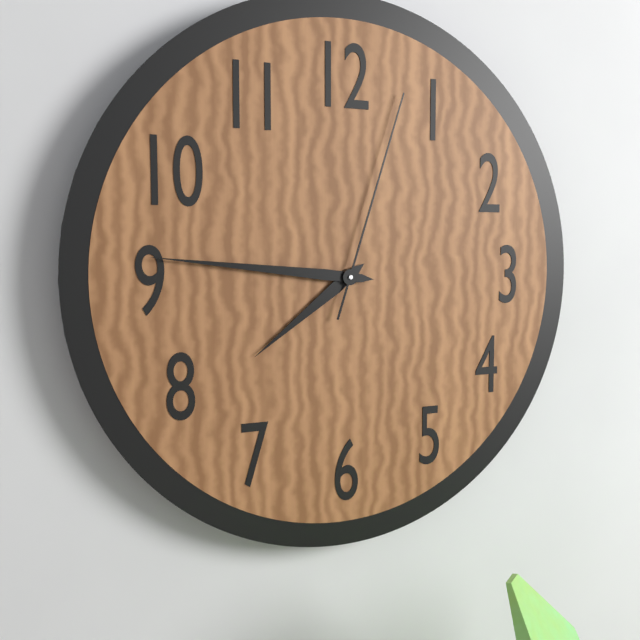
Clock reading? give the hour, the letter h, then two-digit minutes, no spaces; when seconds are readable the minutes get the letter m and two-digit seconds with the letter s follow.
7h46m03s
